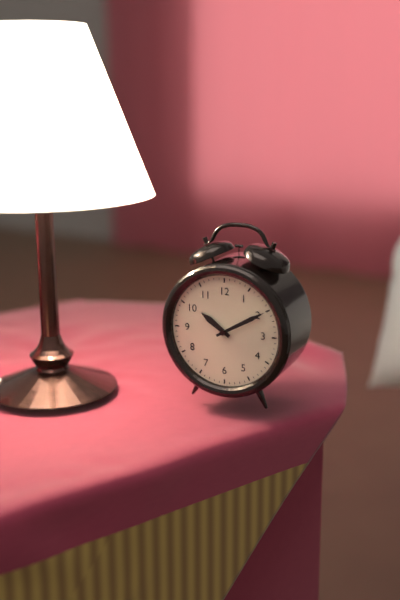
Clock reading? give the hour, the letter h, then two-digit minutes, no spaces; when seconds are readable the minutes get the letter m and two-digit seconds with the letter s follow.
10h10
